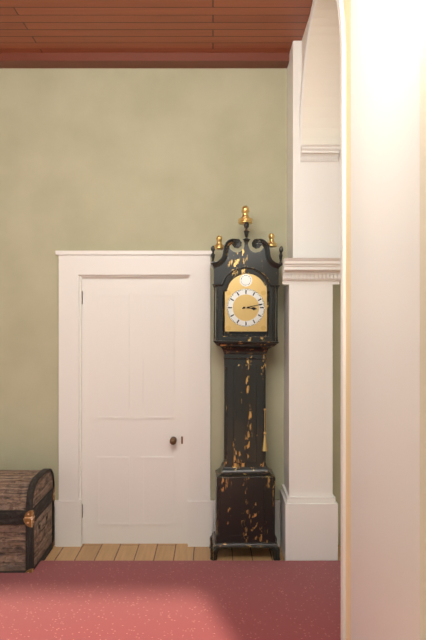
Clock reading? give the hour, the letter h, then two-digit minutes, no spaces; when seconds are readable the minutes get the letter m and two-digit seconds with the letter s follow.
3h13
